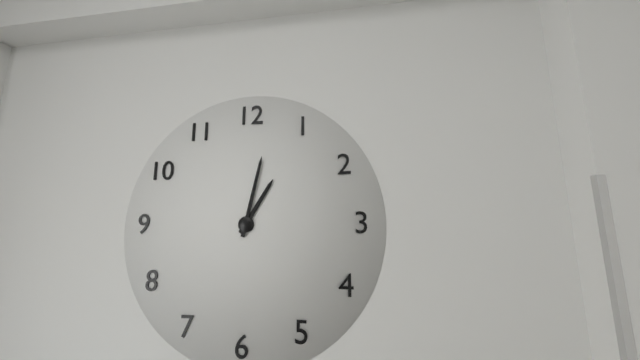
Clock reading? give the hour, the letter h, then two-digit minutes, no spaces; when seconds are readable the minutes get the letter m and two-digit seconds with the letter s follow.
1h02
